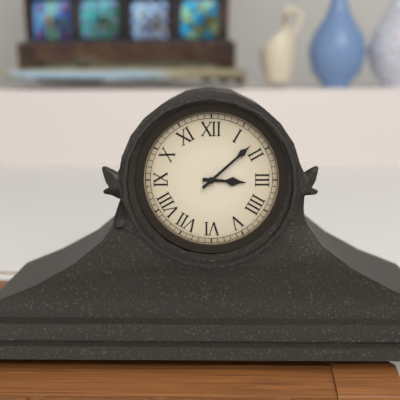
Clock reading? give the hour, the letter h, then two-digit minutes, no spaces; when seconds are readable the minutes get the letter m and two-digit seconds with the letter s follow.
3h08
